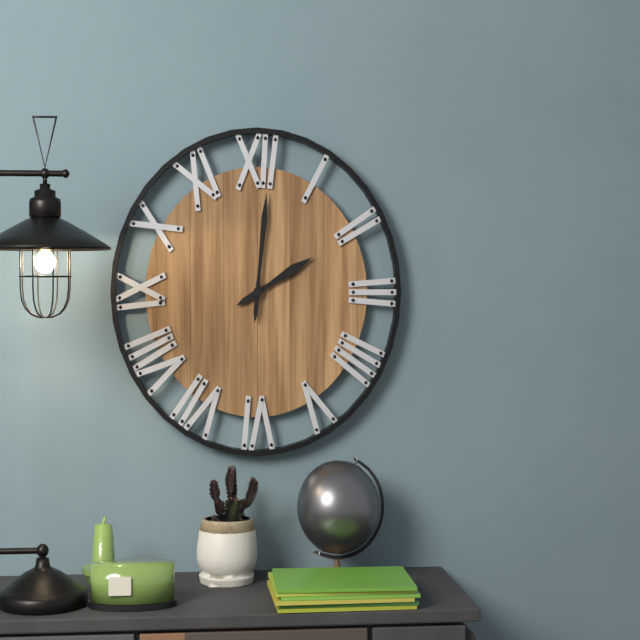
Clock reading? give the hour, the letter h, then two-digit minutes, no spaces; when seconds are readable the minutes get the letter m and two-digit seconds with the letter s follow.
2h01
